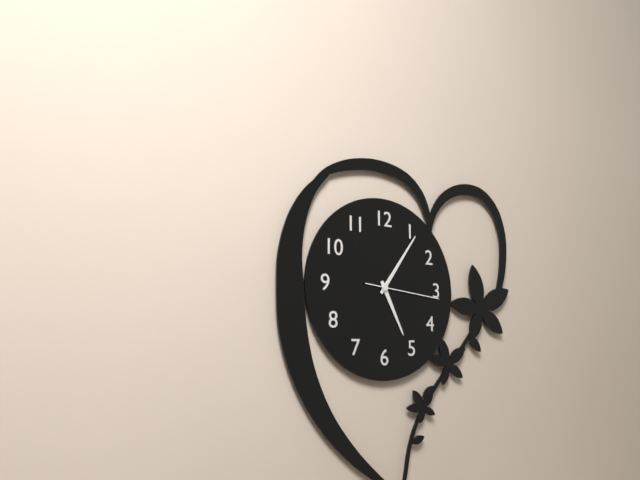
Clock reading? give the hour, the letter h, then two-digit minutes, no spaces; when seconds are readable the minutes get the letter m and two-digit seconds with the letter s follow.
5h06m16s
